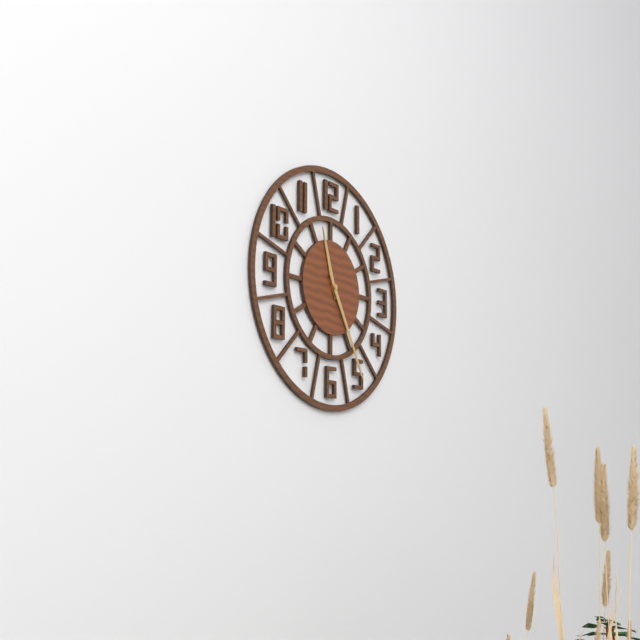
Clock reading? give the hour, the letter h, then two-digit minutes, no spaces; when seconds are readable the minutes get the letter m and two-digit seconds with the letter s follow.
11h25
